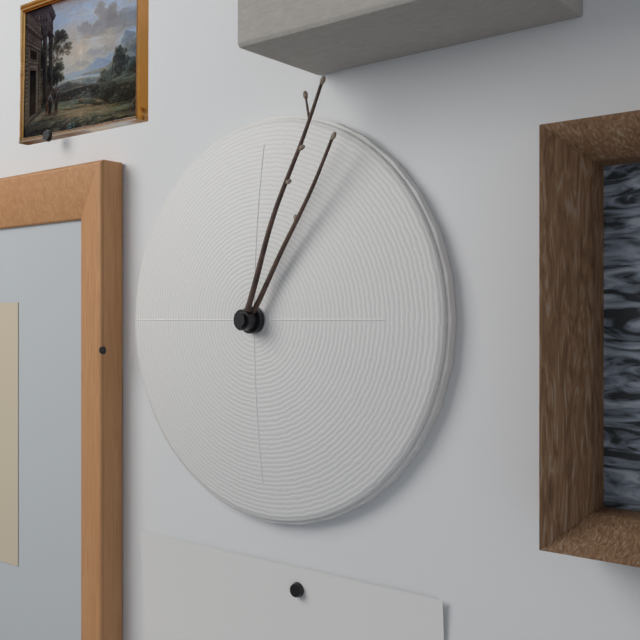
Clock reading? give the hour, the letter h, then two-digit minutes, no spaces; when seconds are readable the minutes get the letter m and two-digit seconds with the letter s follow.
1h04
